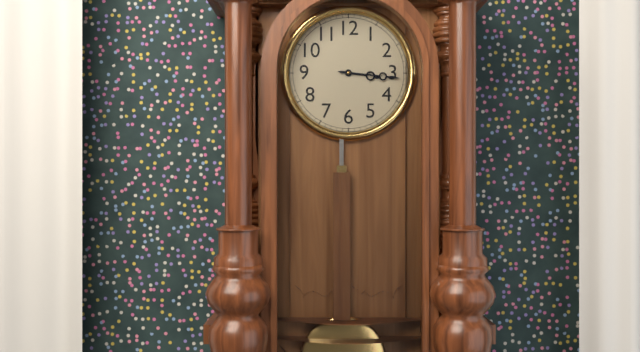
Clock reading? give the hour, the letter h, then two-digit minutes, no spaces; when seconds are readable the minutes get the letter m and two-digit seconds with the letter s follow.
3h16
